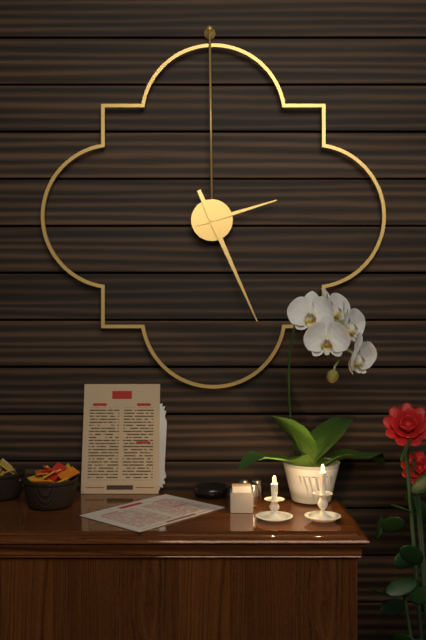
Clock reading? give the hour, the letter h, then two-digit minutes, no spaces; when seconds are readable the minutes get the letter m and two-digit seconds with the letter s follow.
2h26
